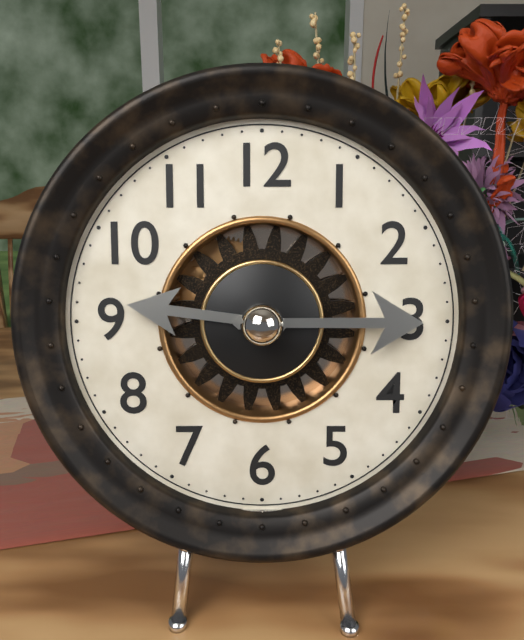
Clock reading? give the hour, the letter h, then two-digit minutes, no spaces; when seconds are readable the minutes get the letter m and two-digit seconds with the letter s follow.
9h15
